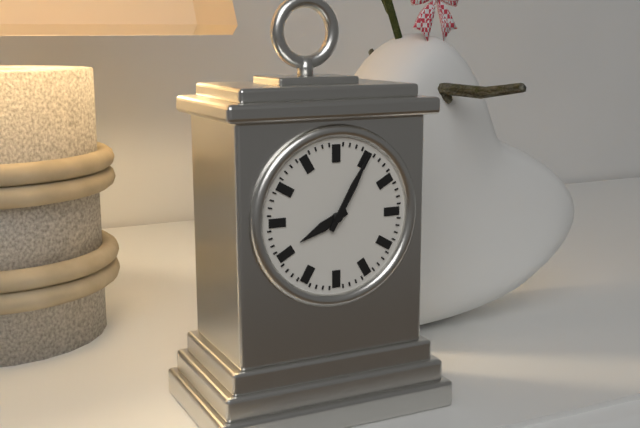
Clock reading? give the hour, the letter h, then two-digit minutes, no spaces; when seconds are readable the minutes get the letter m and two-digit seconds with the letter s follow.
8h05
